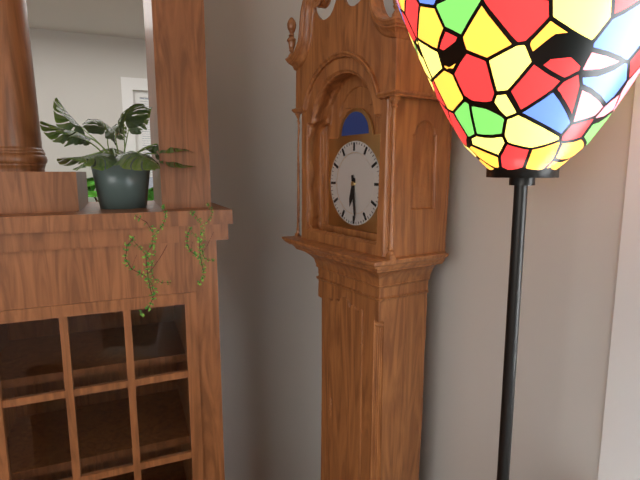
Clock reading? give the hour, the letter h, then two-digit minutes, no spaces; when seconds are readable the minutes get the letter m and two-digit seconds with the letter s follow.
6h29
